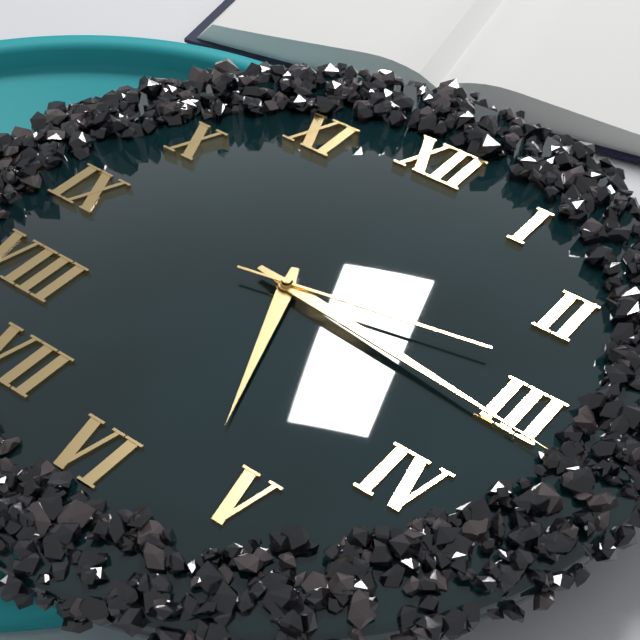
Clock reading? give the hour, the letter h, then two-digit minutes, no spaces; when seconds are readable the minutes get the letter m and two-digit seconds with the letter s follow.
5h16m13s
